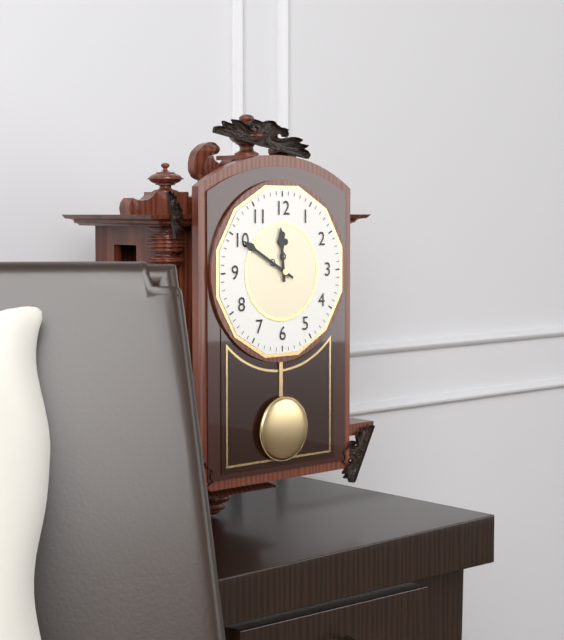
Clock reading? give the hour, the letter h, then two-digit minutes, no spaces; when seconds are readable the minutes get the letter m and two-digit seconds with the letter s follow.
11h50
